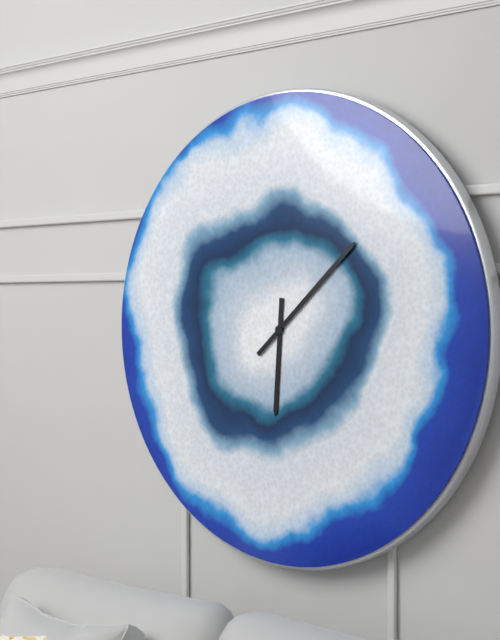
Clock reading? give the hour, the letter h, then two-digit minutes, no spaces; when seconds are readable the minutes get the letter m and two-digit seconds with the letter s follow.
6h08
